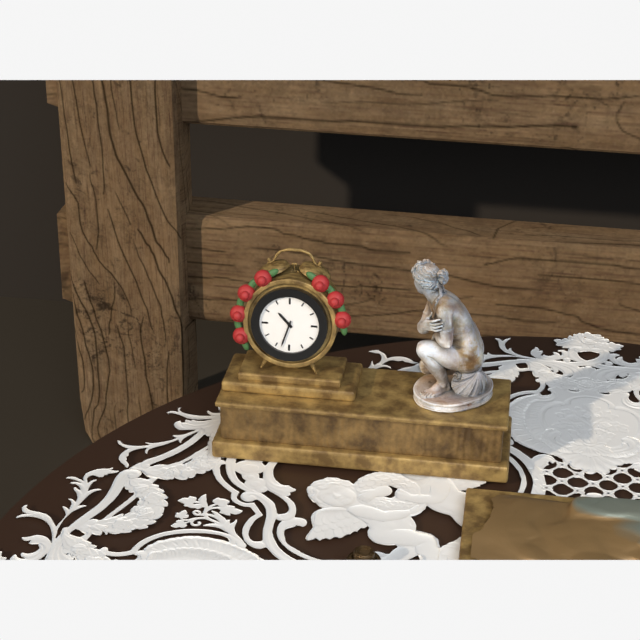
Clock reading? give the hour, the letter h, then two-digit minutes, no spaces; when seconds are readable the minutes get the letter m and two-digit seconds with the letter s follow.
10h33
